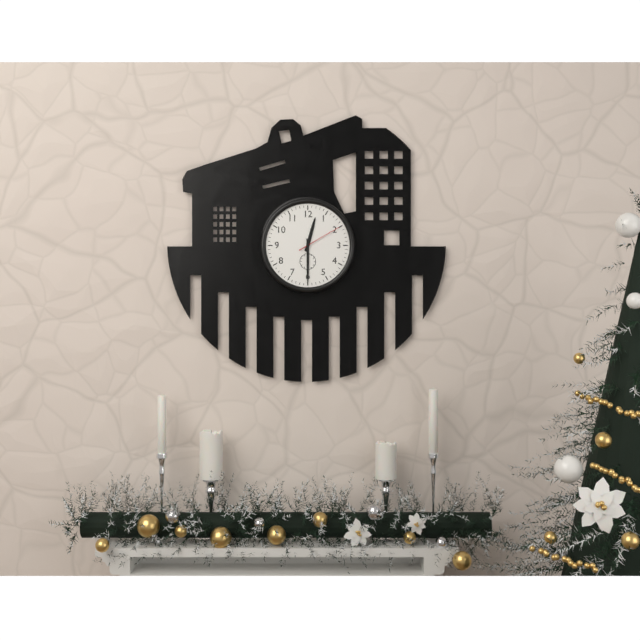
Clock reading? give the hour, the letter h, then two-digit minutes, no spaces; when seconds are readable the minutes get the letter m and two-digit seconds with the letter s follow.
12h30
